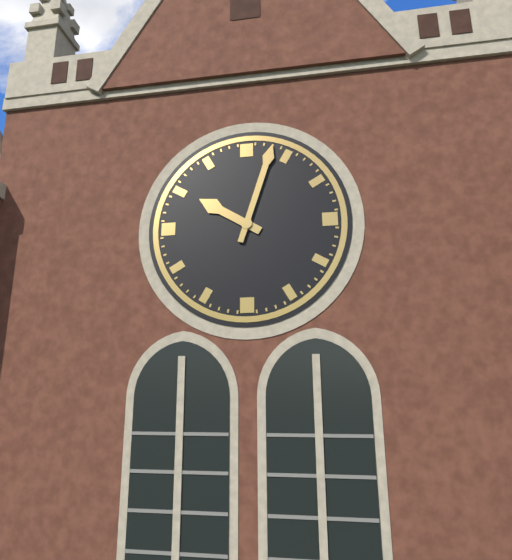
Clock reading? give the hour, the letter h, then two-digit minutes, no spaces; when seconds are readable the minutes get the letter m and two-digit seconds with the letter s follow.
10h03
